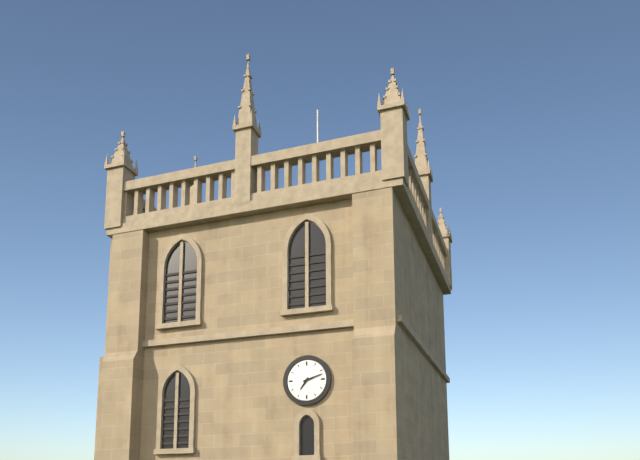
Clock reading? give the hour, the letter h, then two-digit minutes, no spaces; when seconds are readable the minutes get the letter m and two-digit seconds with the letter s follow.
7h12
